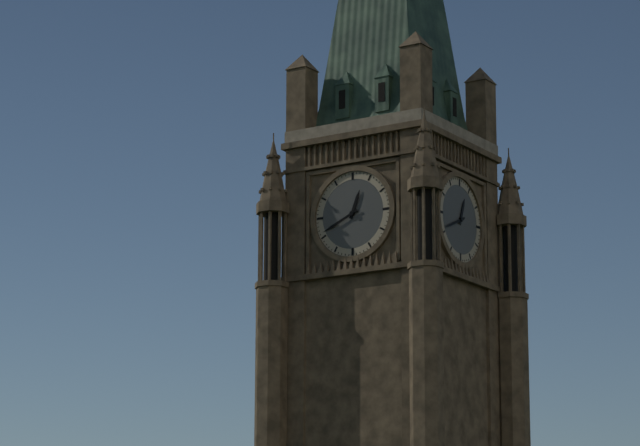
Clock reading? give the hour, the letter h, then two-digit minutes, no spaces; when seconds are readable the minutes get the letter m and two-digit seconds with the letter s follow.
12h41
